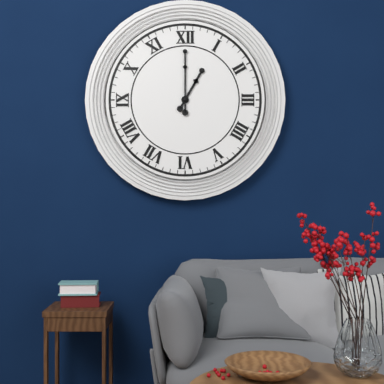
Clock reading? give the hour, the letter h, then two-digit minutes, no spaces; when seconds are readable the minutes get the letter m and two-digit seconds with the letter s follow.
1h00
